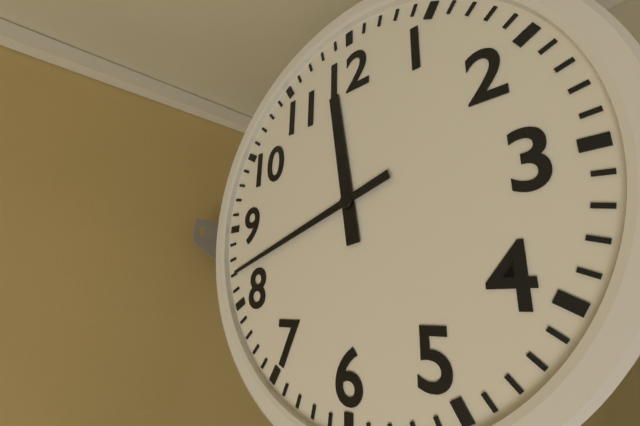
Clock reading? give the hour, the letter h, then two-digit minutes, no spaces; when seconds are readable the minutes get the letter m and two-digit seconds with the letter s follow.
11h42
